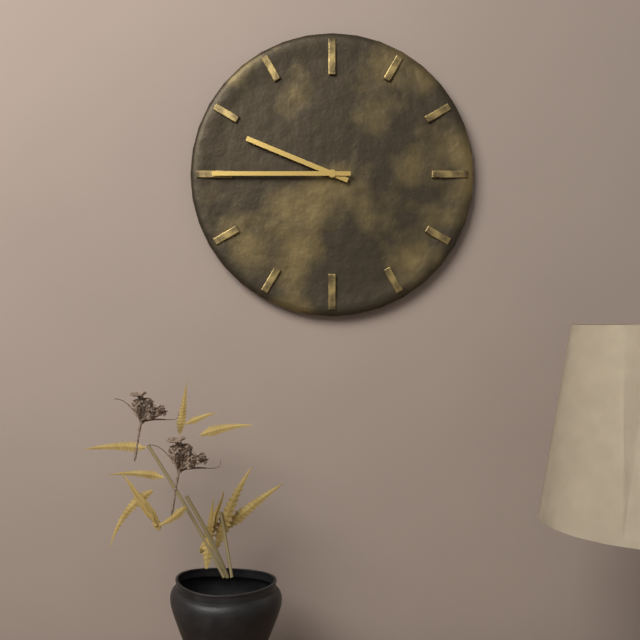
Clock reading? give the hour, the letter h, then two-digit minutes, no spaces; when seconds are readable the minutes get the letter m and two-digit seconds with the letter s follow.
9h45
